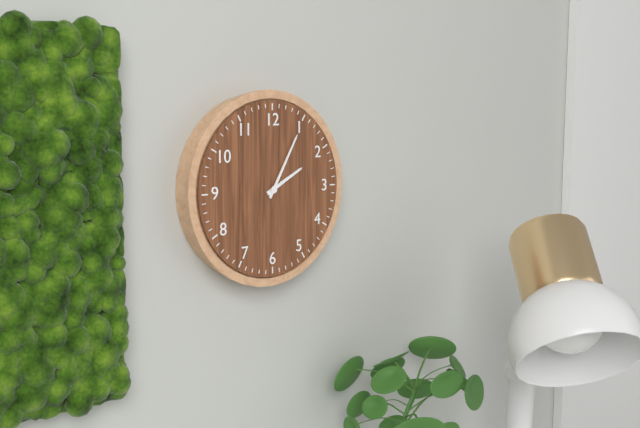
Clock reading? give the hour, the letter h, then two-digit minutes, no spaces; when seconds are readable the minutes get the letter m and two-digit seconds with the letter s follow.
2h05
